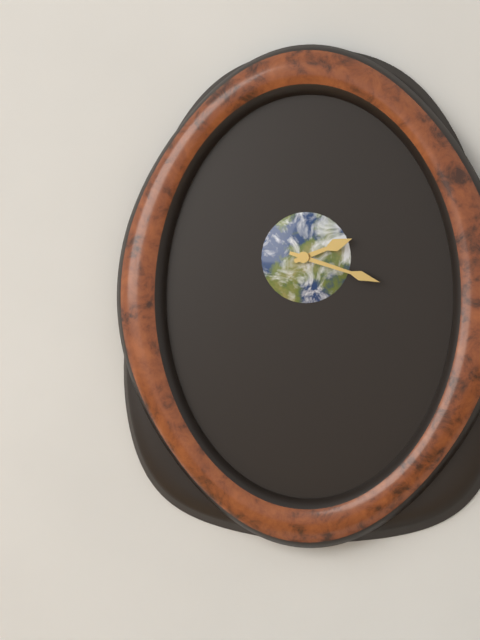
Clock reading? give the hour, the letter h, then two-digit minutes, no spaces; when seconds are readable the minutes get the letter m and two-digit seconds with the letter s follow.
2h18
